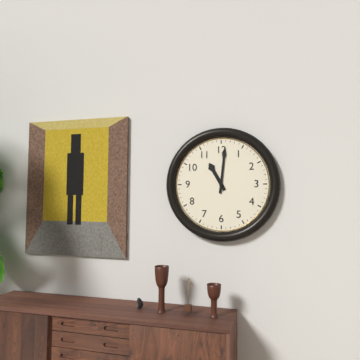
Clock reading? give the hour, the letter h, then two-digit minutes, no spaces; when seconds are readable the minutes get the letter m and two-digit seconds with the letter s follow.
11h01
